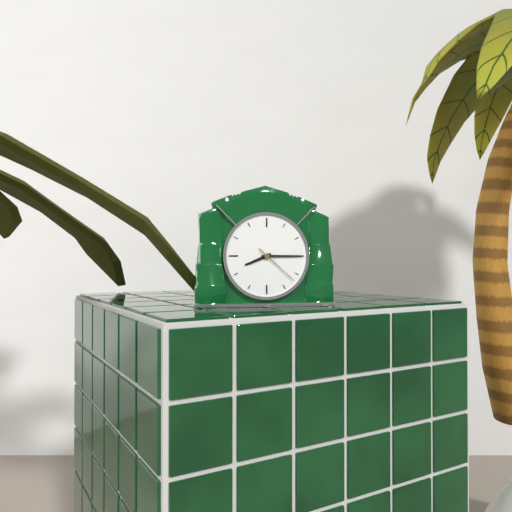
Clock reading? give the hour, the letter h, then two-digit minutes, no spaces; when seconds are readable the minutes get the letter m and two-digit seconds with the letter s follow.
8h15
